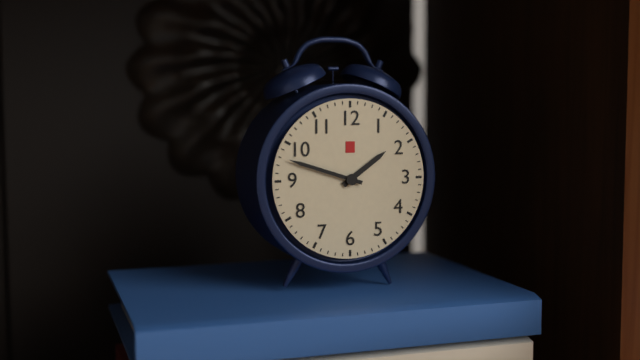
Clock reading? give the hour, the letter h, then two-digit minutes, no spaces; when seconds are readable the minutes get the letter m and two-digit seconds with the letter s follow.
1h48
